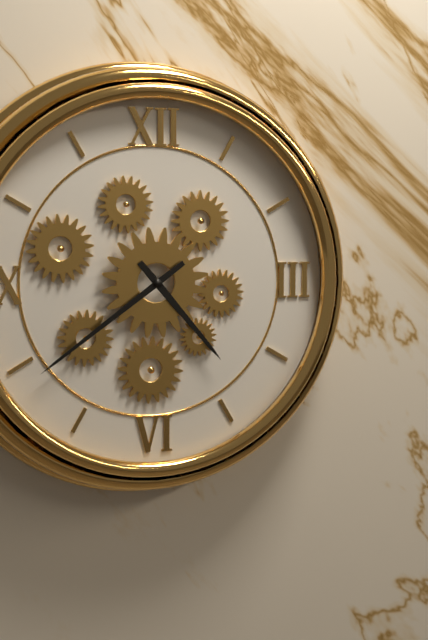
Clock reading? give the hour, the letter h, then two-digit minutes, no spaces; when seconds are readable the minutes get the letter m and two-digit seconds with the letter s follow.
4h39
